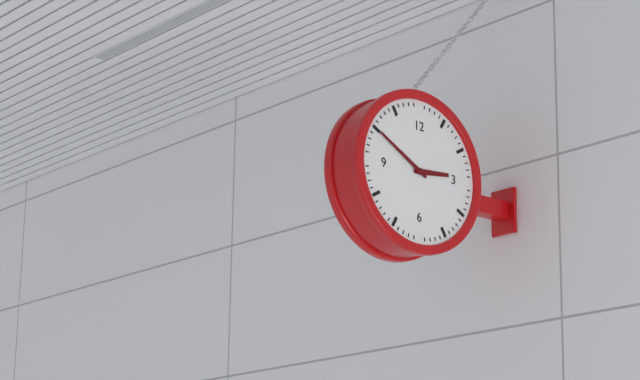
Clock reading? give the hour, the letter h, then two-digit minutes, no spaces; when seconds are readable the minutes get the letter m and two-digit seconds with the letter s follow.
2h50
